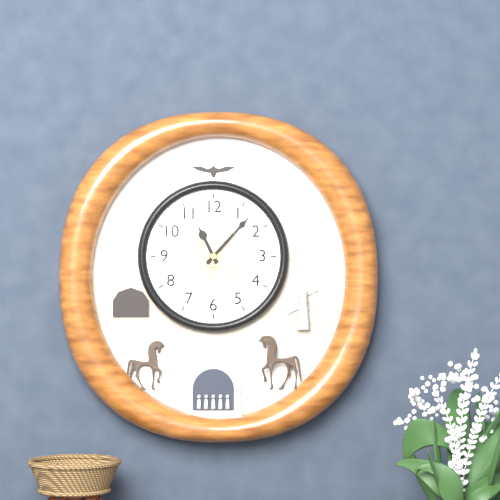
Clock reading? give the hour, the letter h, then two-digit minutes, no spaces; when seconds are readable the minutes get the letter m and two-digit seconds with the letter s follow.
11h07
